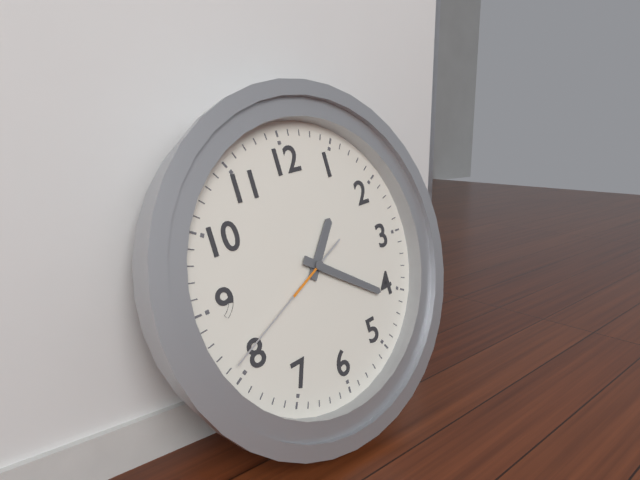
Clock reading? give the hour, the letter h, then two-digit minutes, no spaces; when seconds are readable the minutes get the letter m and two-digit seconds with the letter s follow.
1h21m41s
